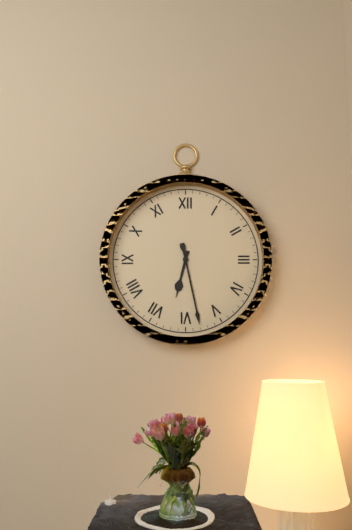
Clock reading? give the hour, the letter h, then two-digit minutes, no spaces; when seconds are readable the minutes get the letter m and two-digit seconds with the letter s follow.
6h28
